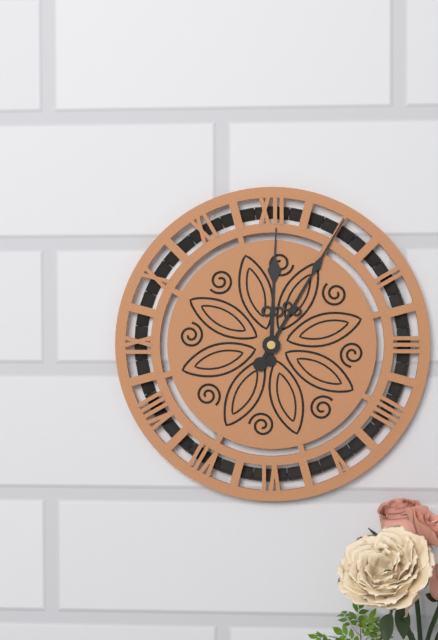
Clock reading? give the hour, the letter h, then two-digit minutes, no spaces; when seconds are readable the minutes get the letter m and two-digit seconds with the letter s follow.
12h05
